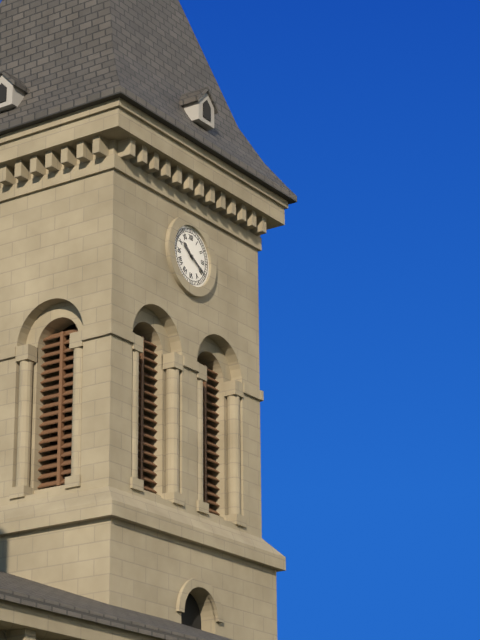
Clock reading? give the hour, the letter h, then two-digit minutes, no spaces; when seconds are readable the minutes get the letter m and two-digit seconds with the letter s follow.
10h20
